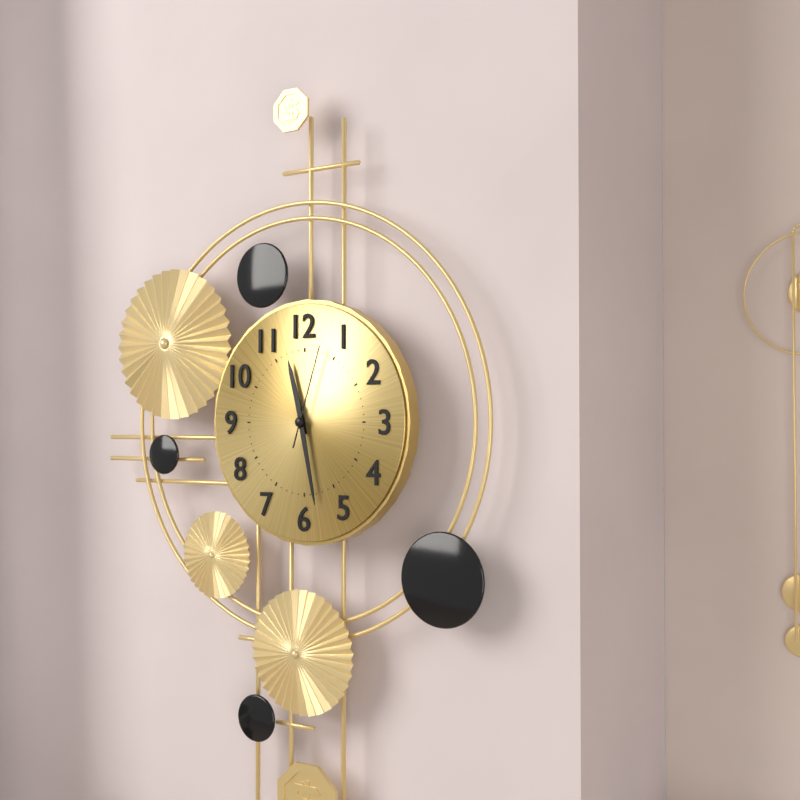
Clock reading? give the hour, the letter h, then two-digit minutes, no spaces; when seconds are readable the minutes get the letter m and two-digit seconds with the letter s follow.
11h28m03s
